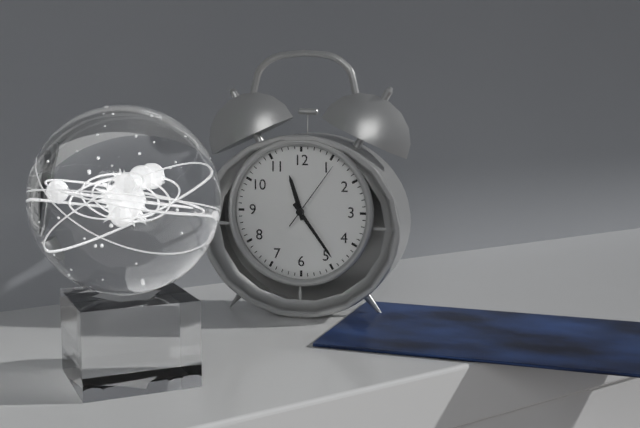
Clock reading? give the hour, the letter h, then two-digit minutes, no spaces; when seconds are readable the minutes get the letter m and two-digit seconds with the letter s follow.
11h24m06s
